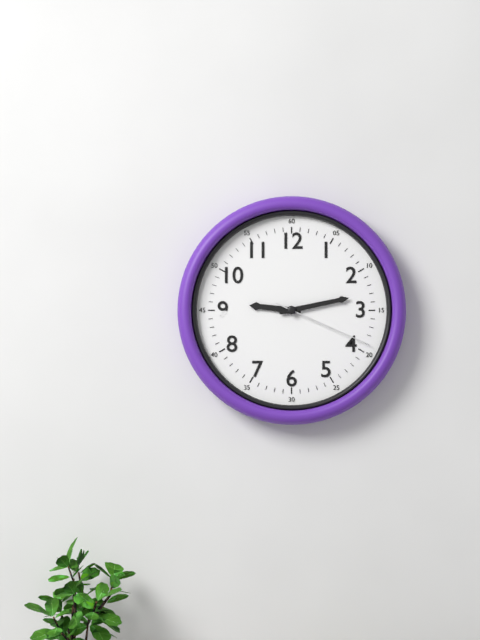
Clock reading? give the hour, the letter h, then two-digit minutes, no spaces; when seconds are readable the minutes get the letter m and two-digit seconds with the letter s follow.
9h13m19s
